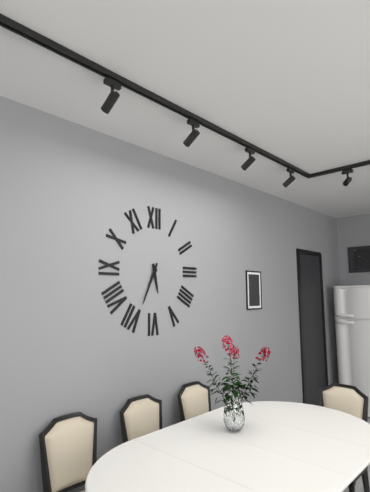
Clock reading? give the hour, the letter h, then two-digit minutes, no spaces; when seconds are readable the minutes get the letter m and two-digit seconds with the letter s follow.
5h34
